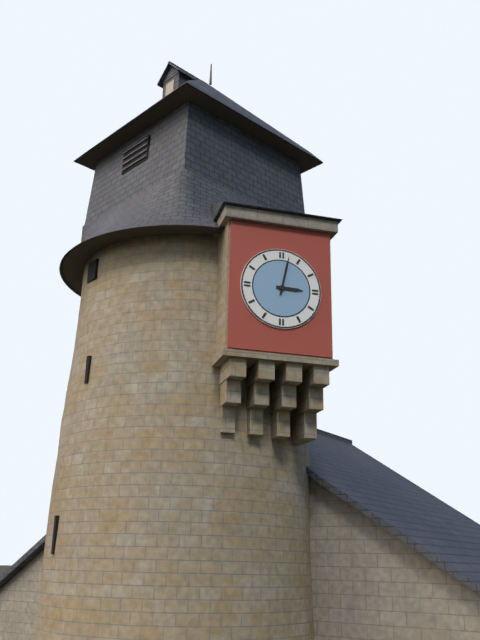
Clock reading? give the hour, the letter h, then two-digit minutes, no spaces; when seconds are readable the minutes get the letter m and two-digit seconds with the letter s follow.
3h02
